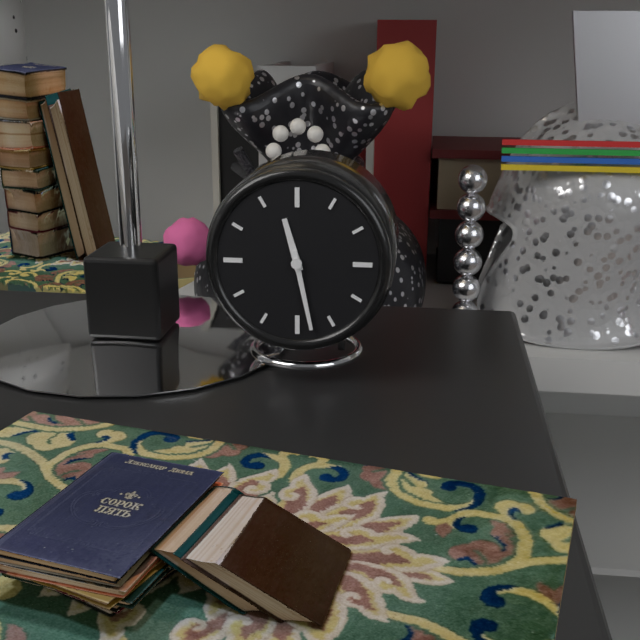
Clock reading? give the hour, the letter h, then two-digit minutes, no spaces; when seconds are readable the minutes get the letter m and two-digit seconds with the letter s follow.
11h28
